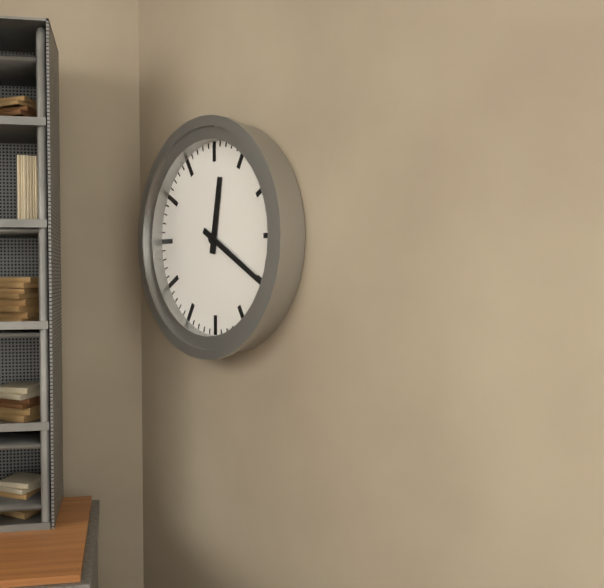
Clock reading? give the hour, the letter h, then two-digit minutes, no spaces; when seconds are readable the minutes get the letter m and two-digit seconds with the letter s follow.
12h20
